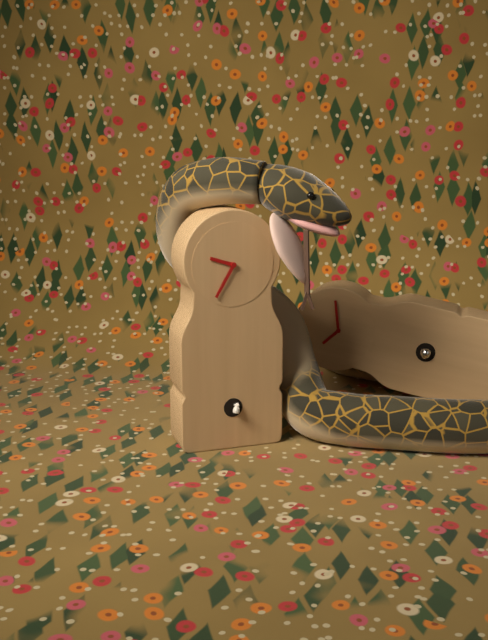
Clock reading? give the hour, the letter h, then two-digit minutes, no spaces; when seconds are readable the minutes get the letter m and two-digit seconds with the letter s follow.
9h35
